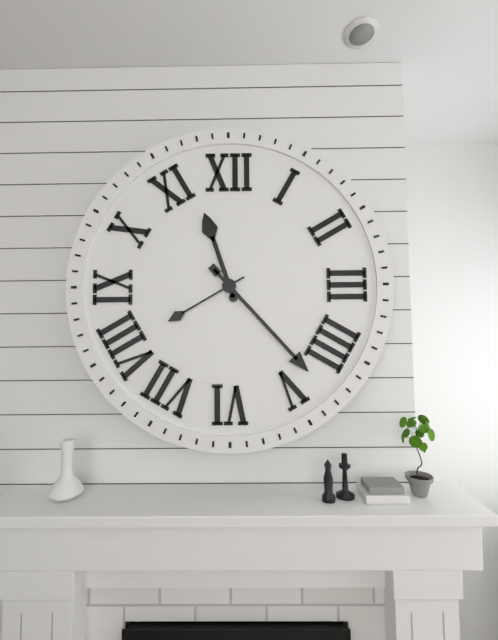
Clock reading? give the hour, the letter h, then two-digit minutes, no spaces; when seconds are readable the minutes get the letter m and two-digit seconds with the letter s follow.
11h23m40s
